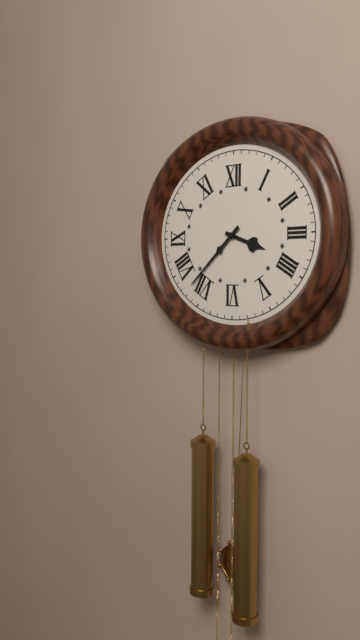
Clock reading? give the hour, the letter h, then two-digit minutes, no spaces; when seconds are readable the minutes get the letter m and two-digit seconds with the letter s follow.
3h38
